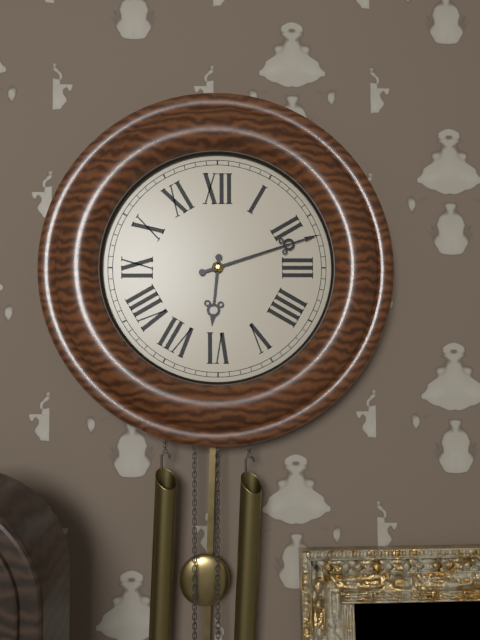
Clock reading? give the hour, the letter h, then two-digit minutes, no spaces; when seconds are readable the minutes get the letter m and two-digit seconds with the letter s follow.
6h12
